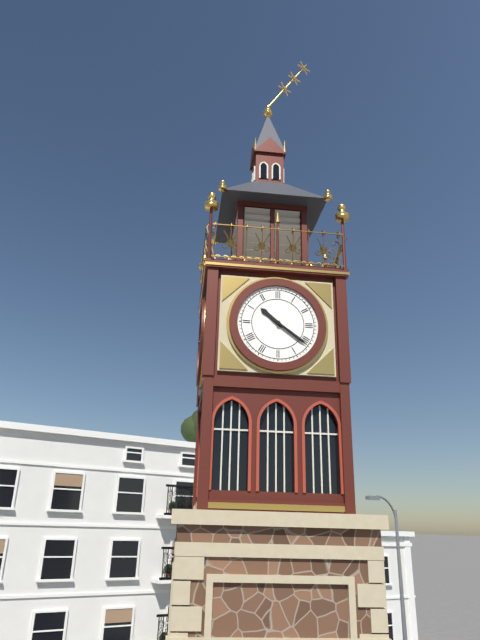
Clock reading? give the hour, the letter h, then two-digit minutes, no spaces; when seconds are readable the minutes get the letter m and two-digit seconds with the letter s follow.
10h21
